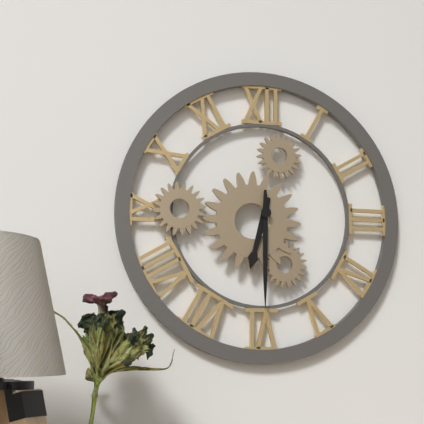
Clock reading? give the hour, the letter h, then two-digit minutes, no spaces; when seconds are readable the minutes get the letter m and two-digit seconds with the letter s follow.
6h30
